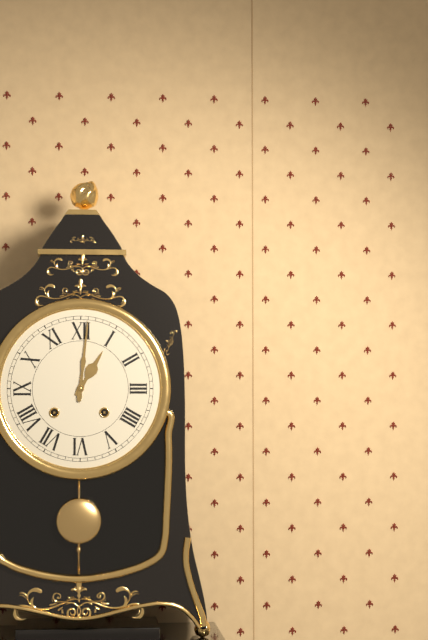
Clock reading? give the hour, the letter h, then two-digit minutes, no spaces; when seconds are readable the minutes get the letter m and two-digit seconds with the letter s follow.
1h01
